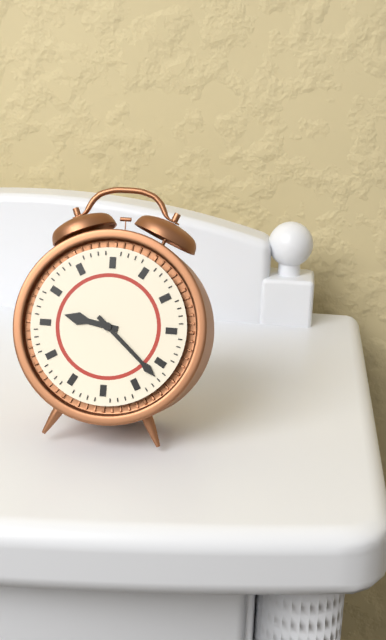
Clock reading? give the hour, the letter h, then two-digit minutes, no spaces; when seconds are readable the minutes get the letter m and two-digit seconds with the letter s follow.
9h22
